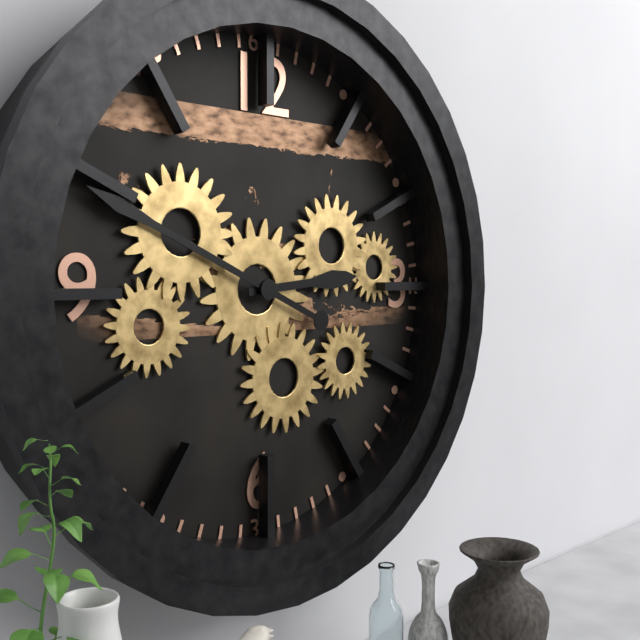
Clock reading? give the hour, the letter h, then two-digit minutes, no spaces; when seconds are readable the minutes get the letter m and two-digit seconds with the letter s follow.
2h49
